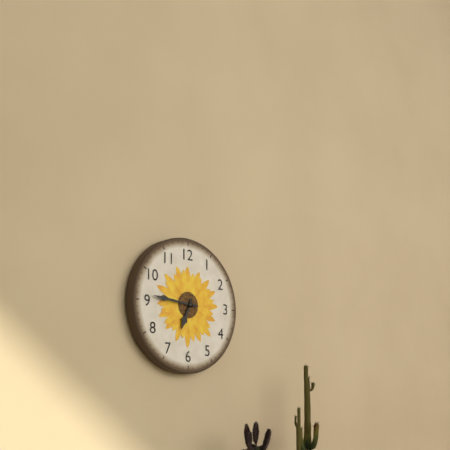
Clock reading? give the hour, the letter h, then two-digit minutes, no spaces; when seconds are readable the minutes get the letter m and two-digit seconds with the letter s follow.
6h46
